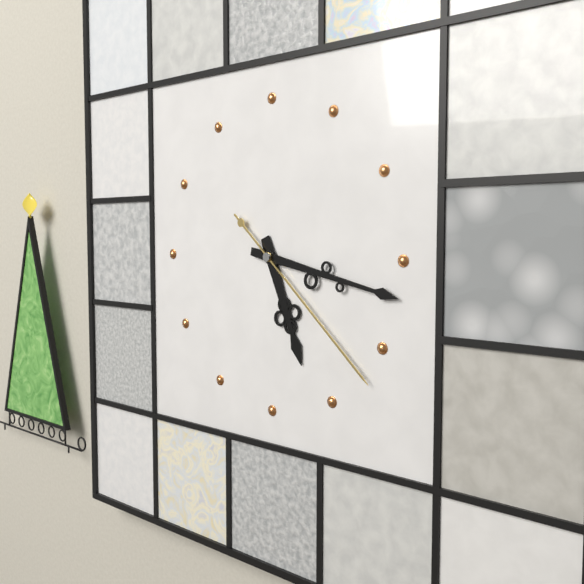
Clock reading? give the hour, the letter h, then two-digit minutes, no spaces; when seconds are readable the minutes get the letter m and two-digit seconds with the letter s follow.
5h17m22s
